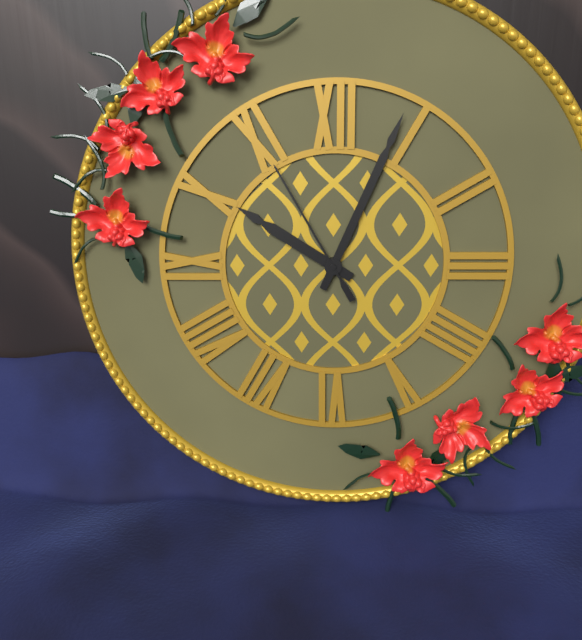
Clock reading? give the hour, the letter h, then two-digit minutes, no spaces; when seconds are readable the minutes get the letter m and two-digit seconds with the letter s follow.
10h04m55s
